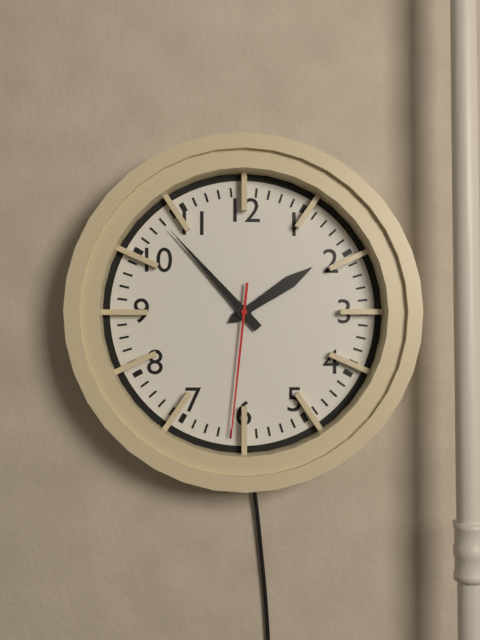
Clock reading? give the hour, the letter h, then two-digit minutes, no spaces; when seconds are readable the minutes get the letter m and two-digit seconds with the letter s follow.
1h53m31s
